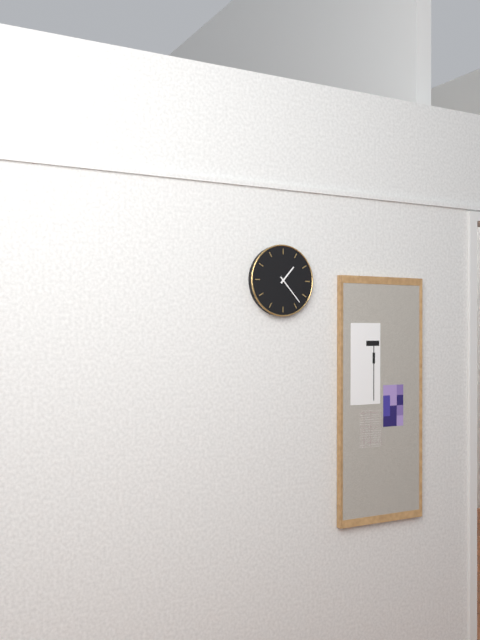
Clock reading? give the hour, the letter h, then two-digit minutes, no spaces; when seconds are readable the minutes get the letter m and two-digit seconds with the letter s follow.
1h23
